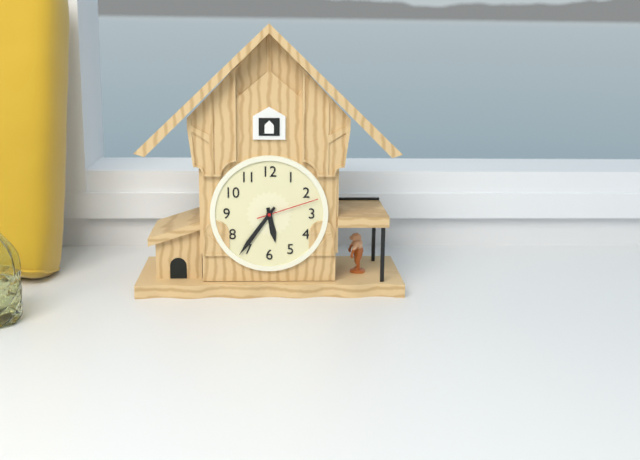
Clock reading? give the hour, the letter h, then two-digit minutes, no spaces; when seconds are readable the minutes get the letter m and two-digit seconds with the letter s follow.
5h36m12s
